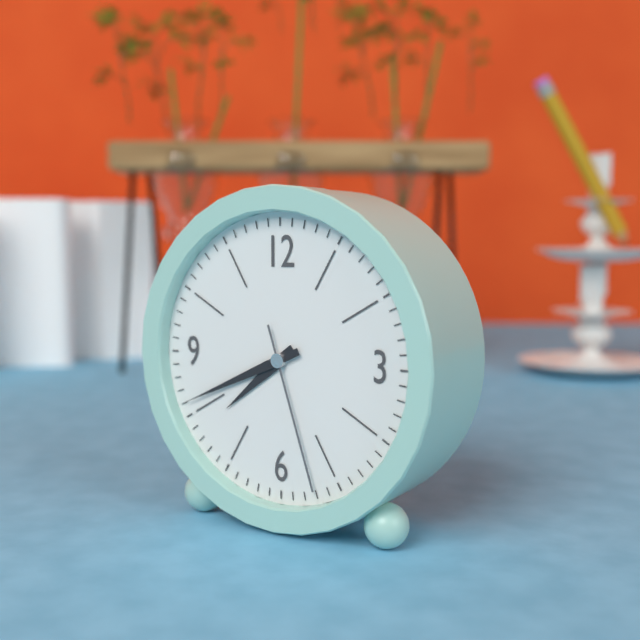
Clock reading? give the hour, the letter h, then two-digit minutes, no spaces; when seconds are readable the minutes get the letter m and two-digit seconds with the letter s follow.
7h41m27s
